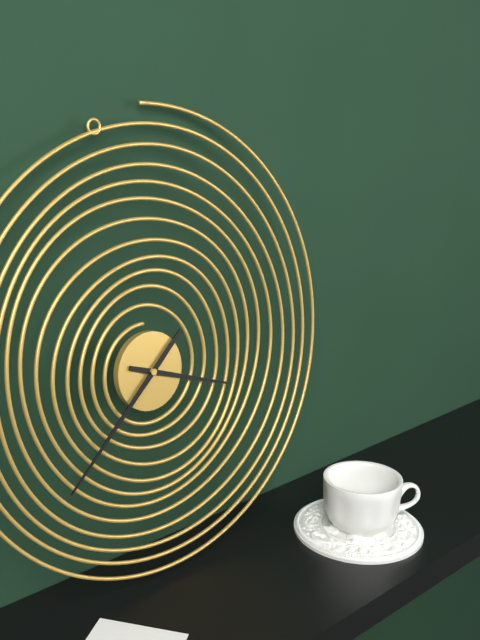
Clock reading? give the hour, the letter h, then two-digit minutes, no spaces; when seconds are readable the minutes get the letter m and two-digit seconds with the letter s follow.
3h38
